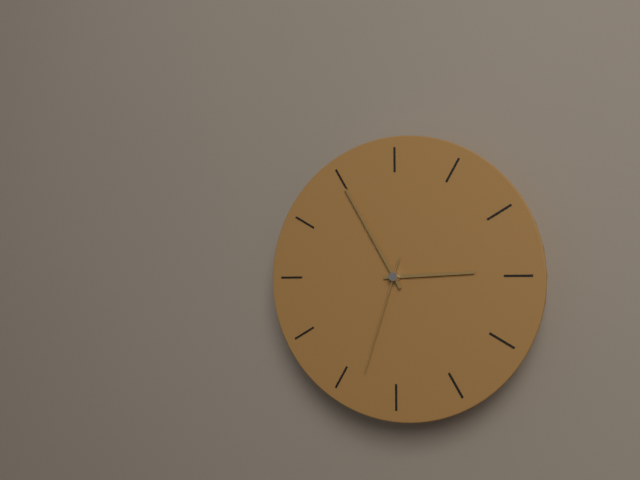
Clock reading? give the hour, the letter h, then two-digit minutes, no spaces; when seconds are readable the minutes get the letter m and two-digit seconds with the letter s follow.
2h55m33s
